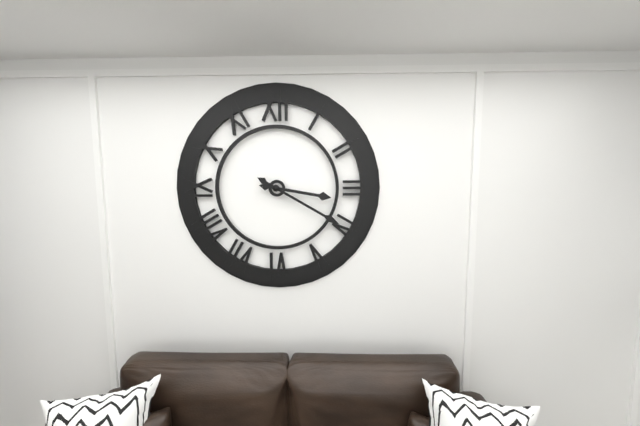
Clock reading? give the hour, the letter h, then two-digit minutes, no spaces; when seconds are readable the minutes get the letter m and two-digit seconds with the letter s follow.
3h20
